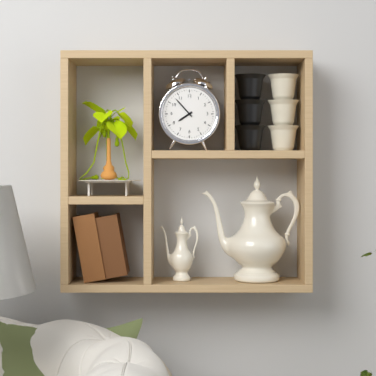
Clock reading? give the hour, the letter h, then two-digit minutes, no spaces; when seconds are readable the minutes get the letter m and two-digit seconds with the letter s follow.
7h53
